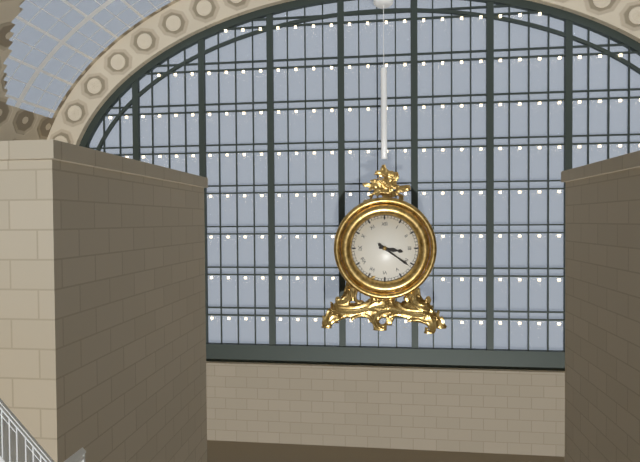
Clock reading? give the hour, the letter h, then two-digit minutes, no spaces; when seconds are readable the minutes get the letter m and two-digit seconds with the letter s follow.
3h21
